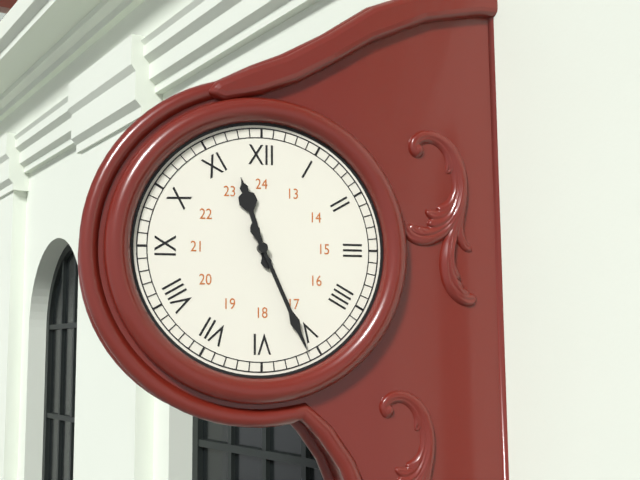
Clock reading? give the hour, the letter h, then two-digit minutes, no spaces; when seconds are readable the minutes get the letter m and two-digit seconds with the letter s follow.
11h26
